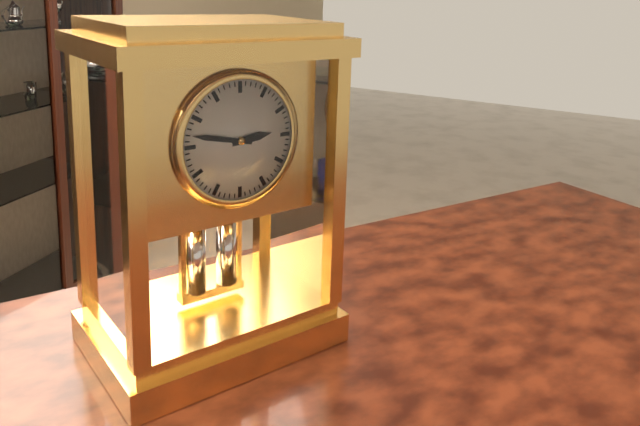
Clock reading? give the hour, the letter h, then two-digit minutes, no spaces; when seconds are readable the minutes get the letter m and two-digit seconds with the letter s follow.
2h47
